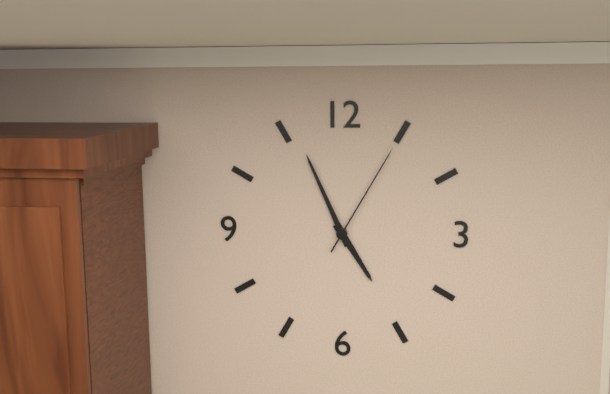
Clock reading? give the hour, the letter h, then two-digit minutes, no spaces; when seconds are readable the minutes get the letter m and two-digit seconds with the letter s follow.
4h56m05s
